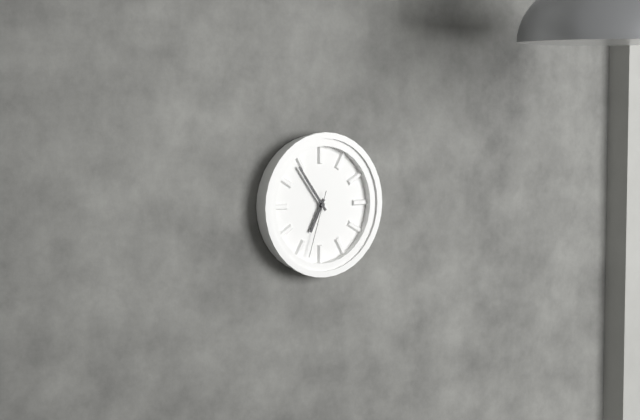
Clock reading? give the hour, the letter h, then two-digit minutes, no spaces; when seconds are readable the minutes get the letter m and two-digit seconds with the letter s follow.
6h54m33s
